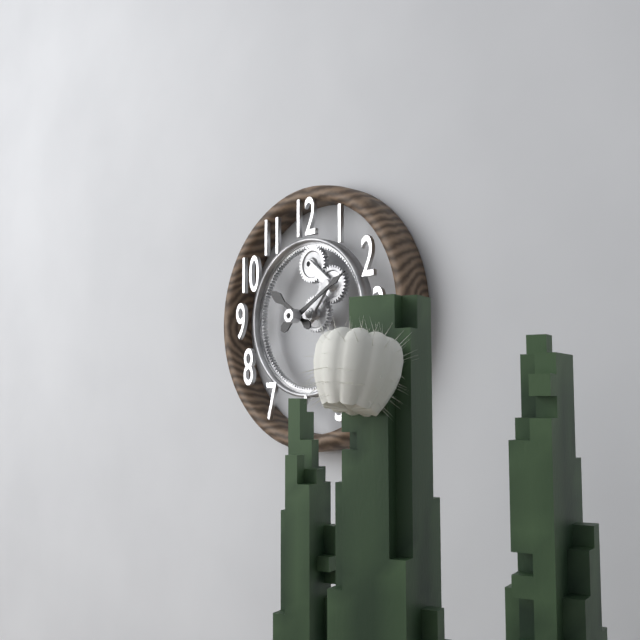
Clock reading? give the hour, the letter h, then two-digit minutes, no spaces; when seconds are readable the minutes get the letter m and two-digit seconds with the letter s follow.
10h10
